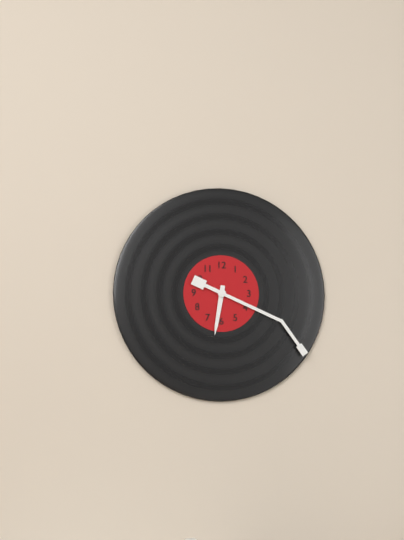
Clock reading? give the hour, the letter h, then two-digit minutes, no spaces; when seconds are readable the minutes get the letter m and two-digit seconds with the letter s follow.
6h19
